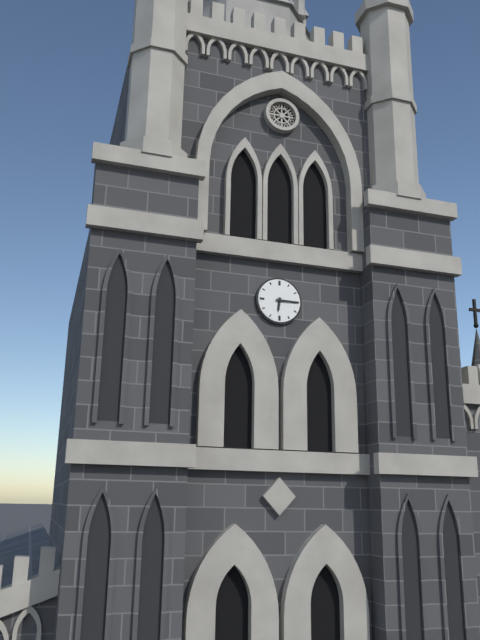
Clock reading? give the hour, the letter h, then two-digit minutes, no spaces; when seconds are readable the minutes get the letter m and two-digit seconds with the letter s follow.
6h15
